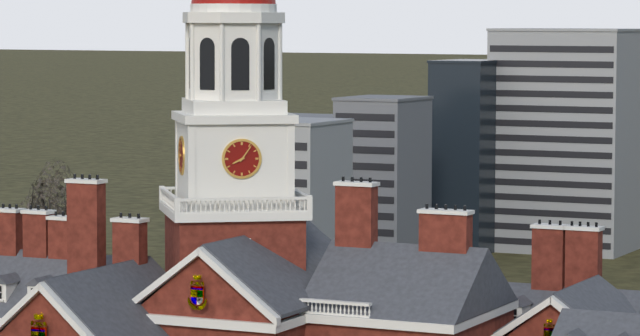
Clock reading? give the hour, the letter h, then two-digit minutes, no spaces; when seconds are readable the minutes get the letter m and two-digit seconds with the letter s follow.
8h06
